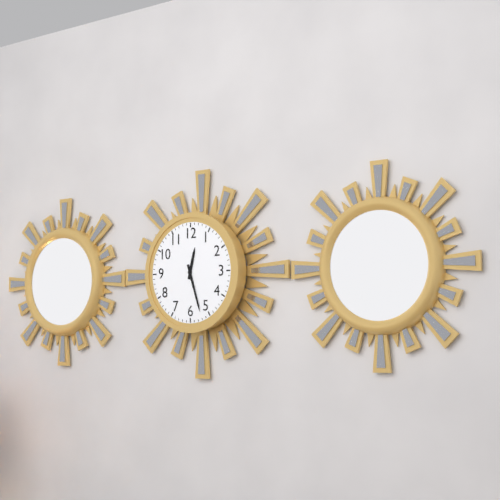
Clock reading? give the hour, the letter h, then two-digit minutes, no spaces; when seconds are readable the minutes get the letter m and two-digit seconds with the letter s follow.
12h27
